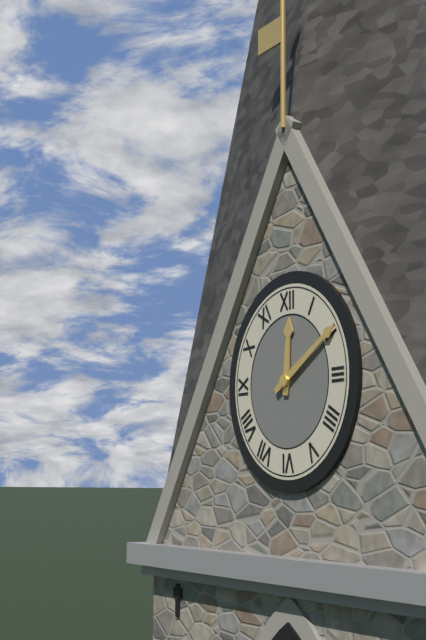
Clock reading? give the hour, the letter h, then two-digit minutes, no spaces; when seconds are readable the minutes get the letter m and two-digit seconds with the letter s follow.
12h10
